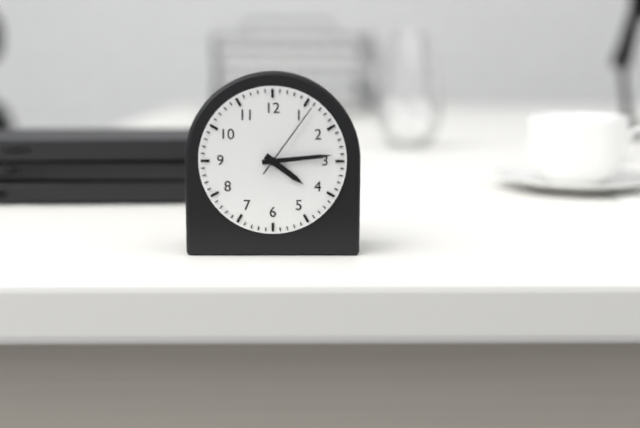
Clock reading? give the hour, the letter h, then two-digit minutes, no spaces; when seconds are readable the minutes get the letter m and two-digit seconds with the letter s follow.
4h14m06s
